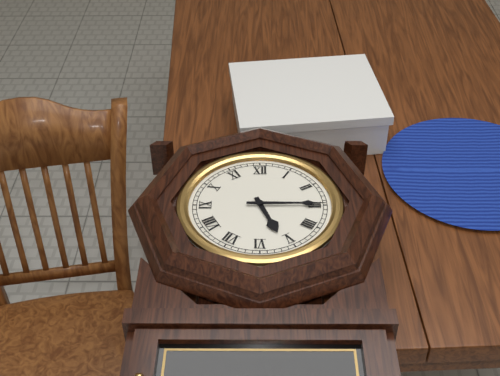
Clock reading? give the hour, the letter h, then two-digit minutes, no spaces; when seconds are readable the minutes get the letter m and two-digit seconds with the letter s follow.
5h15
